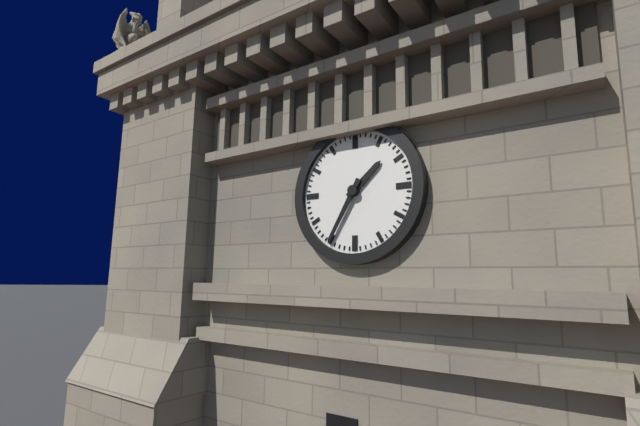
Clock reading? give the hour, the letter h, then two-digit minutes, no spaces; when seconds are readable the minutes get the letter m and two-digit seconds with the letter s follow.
1h35
